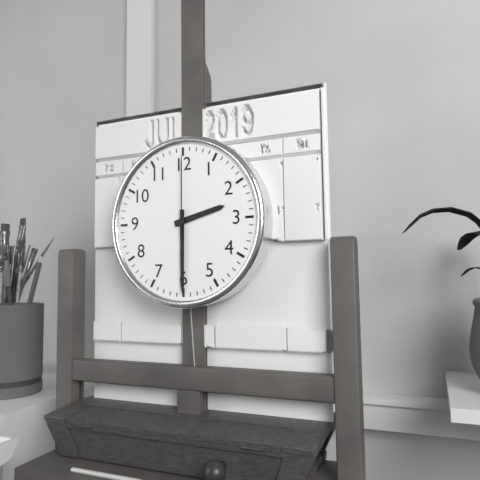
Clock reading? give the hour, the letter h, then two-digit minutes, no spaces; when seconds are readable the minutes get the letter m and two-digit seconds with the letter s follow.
2h30m00s
